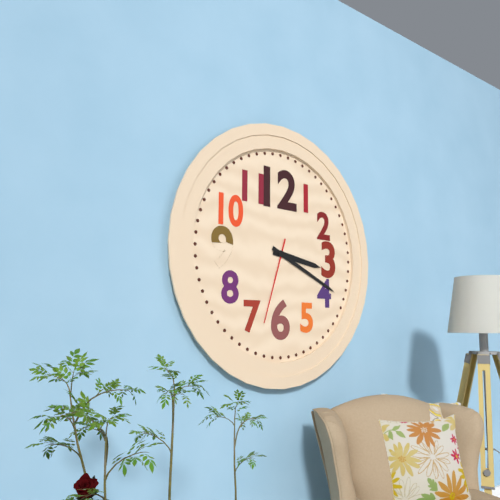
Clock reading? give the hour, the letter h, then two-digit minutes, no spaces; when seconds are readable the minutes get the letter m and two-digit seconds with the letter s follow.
3h19m33s
